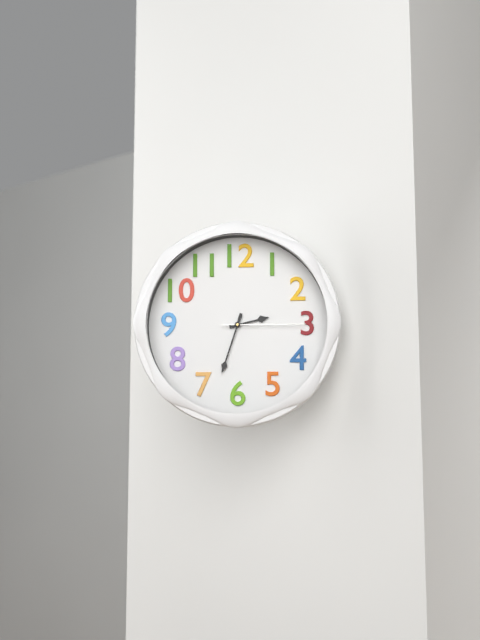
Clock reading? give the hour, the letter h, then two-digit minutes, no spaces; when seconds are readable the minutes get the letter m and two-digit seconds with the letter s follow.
2h33m15s
